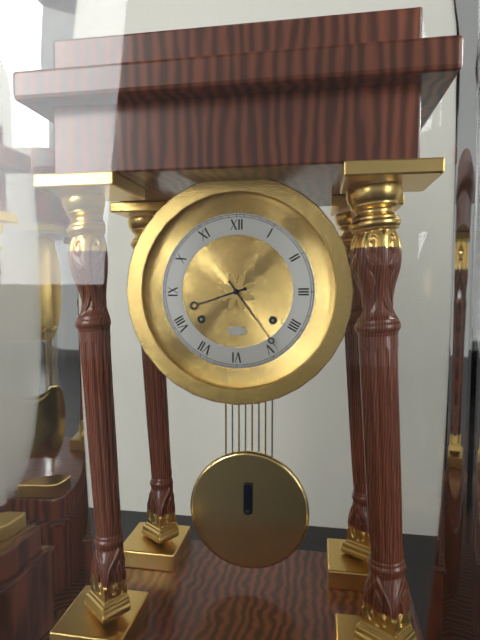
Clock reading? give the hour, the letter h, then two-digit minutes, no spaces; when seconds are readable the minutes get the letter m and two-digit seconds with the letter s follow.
8h24
